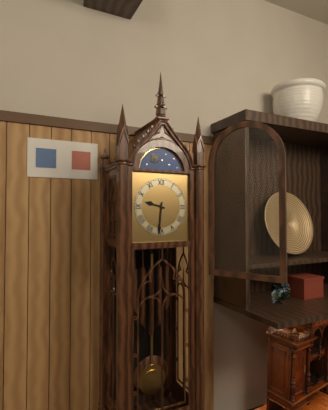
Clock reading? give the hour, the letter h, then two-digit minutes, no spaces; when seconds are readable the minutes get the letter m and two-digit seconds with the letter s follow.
9h31
